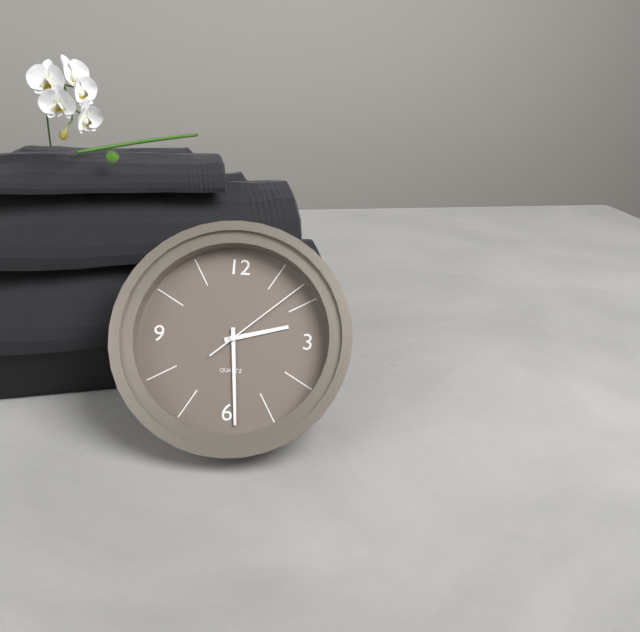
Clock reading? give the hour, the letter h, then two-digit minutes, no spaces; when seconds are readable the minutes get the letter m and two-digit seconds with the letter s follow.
2h29m08s
